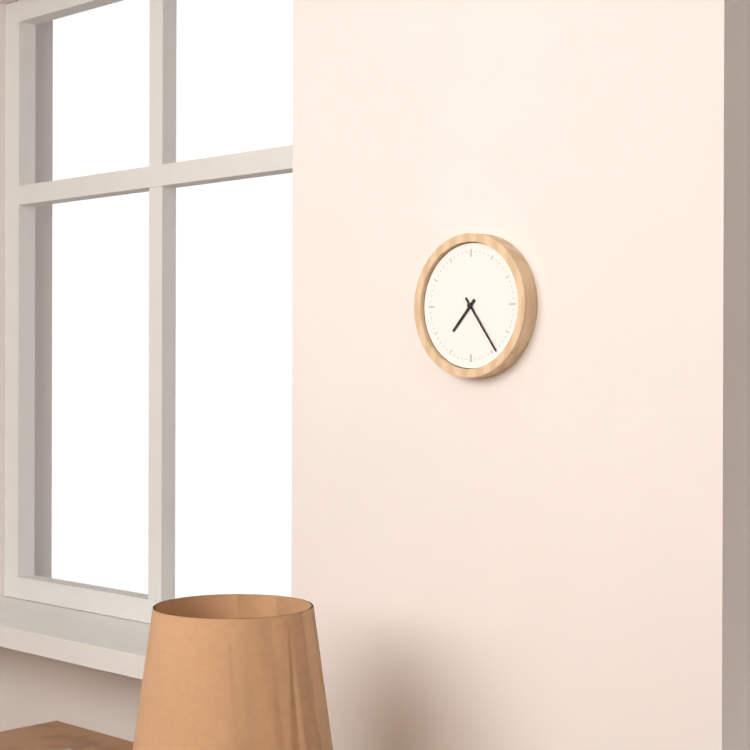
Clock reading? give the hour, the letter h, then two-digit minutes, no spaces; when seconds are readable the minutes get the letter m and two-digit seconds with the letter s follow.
7h24
